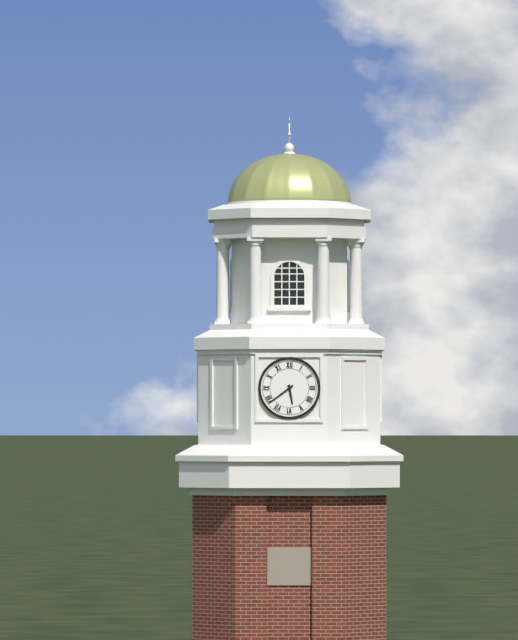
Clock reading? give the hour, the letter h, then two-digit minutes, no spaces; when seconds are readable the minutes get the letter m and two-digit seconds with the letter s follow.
5h39
